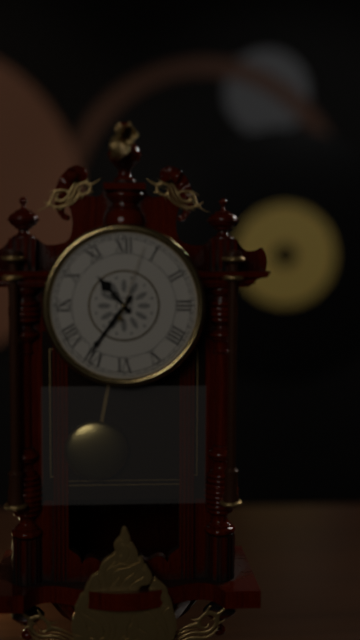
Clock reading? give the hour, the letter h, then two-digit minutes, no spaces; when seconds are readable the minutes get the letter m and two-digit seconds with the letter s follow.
10h36m03s
